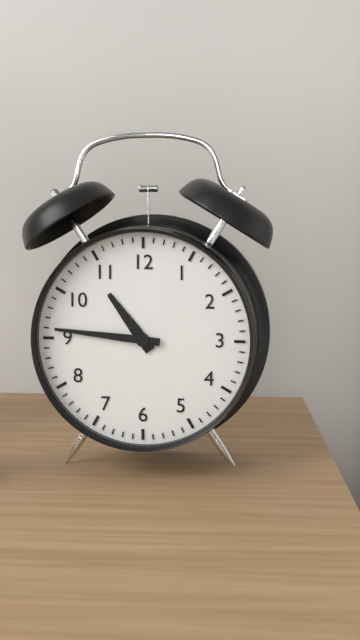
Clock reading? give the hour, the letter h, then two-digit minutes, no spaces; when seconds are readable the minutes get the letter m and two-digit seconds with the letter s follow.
10h46
